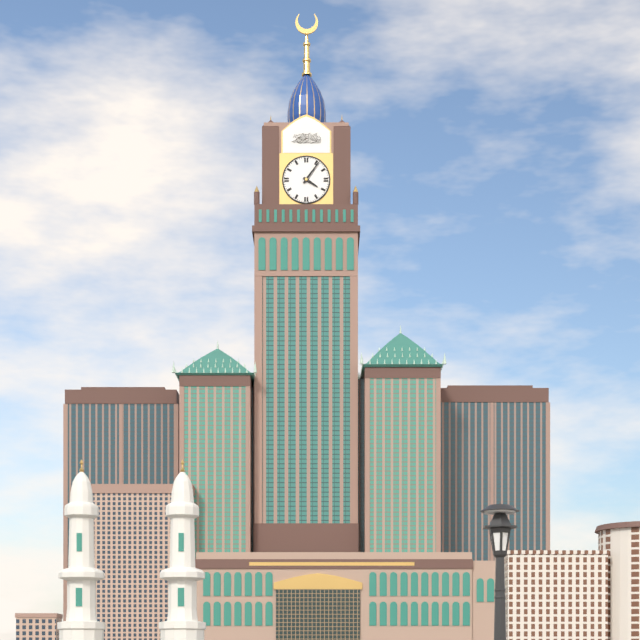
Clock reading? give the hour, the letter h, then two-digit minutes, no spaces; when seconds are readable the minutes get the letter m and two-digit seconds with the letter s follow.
4h06
